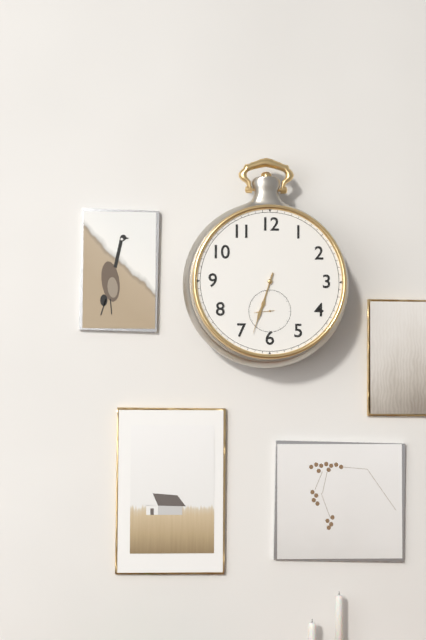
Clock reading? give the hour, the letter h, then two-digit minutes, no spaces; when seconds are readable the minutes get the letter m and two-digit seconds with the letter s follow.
6h33
